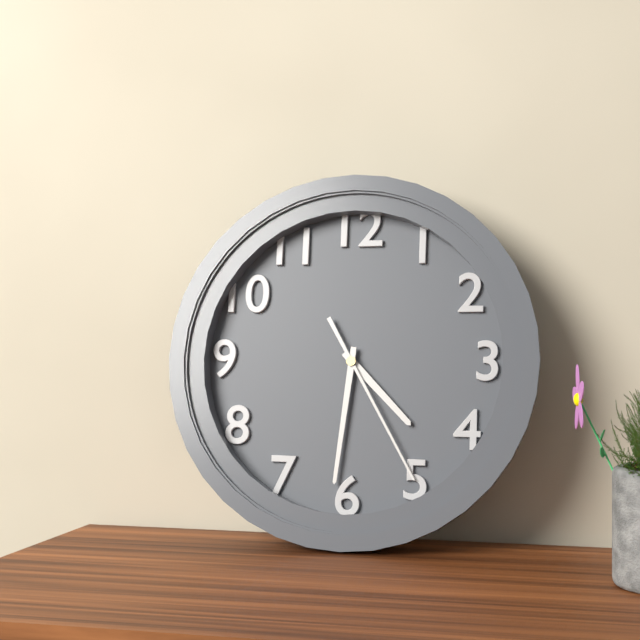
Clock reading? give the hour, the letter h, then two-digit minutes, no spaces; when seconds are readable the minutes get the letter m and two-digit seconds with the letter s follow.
4h31m25s
